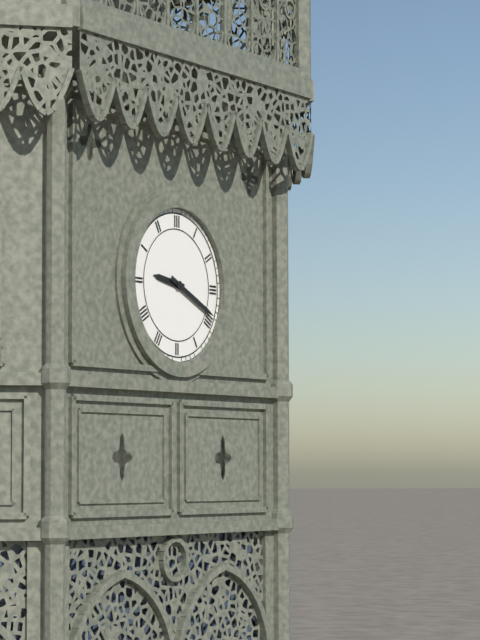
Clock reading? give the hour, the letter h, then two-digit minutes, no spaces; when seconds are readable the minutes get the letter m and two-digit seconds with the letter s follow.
9h19
